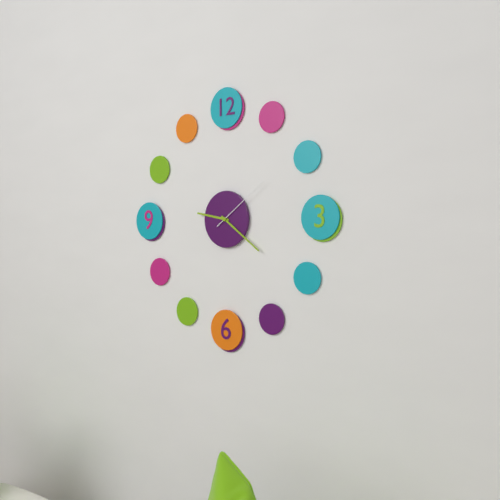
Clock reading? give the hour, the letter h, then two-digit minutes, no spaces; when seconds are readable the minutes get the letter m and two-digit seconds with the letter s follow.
9h21m09s
